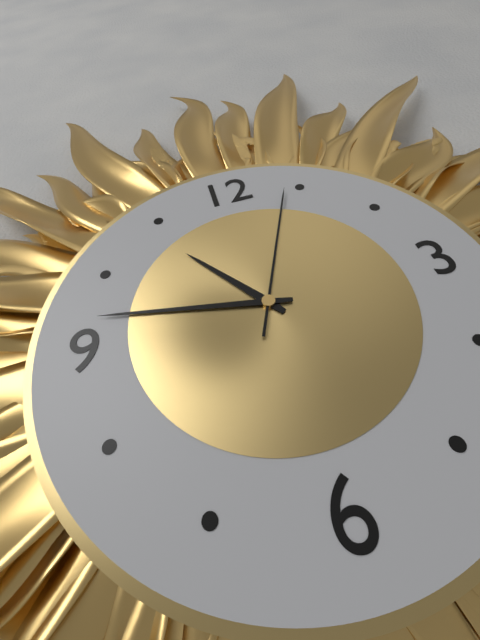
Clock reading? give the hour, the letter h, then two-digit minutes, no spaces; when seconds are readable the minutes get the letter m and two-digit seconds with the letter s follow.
10h47m04s
